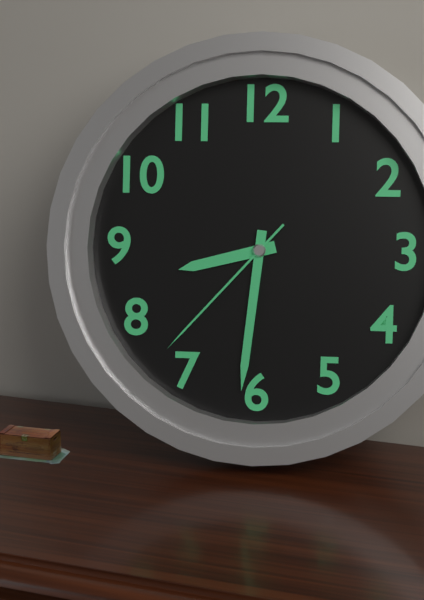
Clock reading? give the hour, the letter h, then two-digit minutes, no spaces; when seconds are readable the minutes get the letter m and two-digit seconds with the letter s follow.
8h31m37s
